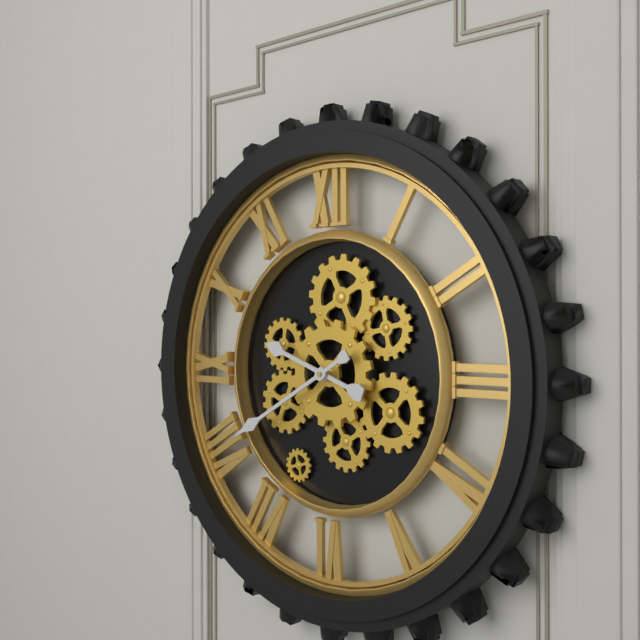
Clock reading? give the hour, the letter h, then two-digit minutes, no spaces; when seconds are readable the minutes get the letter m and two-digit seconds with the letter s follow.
9h40
